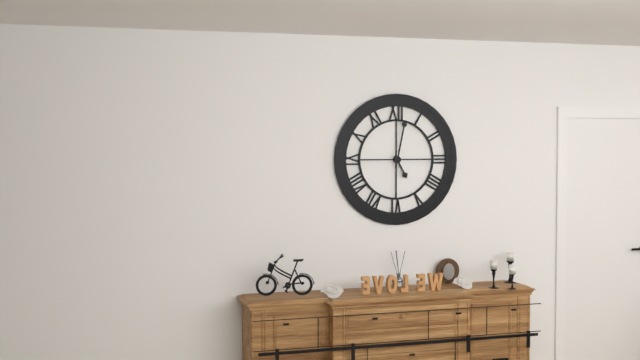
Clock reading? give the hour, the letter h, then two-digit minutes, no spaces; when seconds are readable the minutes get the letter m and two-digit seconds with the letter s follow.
5h02
